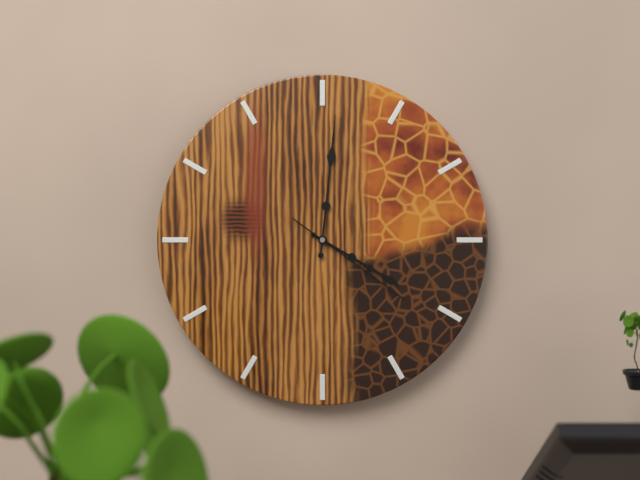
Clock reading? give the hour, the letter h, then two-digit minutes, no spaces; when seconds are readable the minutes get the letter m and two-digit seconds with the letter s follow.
4h01m21s
